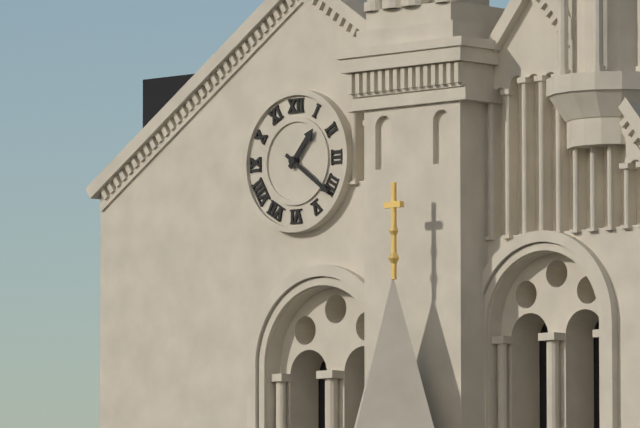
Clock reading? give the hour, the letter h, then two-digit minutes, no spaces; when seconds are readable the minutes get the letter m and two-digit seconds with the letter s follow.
1h21
